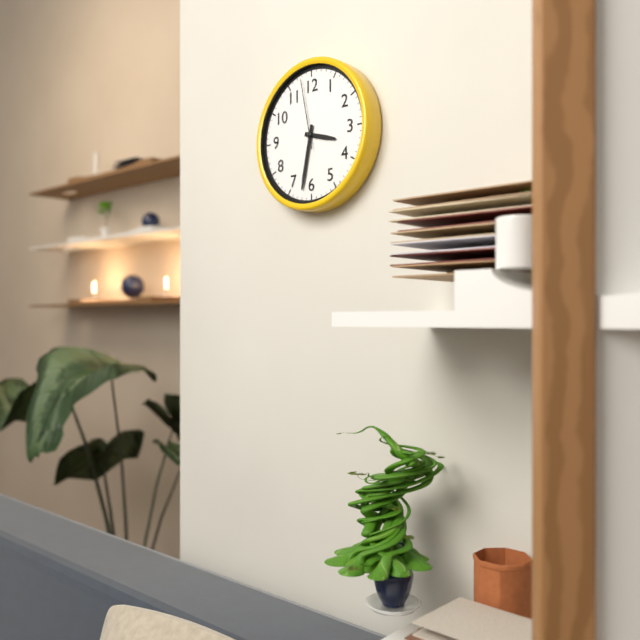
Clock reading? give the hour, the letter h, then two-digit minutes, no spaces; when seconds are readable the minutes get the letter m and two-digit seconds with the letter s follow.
3h32m58s
